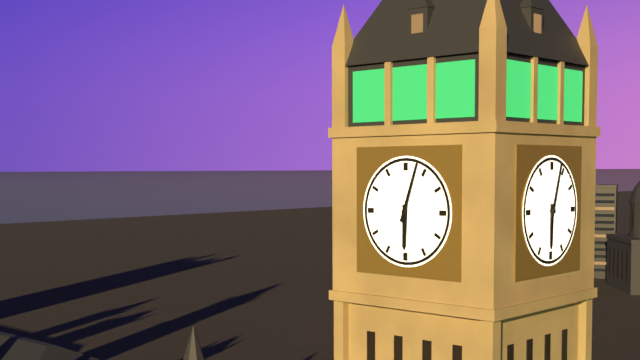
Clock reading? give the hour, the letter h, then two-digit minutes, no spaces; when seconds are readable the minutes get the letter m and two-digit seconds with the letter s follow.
6h03
